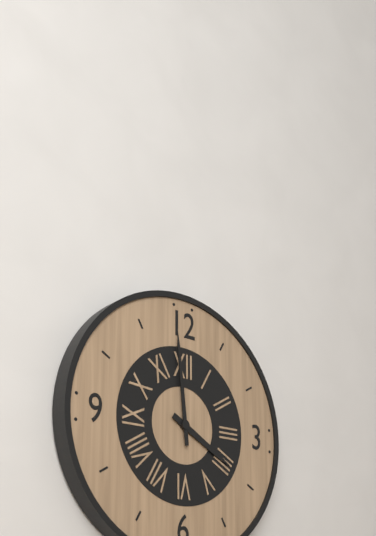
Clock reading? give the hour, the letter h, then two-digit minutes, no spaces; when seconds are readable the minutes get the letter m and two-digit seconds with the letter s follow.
3h59
